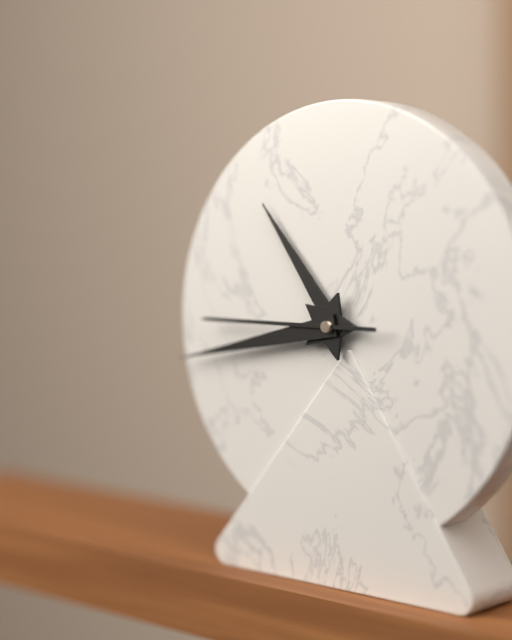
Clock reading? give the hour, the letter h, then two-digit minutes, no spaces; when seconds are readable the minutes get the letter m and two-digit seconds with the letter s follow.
10h43m45s
